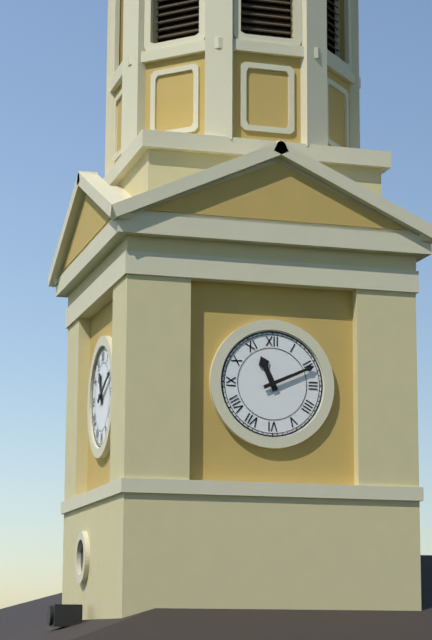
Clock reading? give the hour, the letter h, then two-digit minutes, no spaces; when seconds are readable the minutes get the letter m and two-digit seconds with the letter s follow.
11h11
